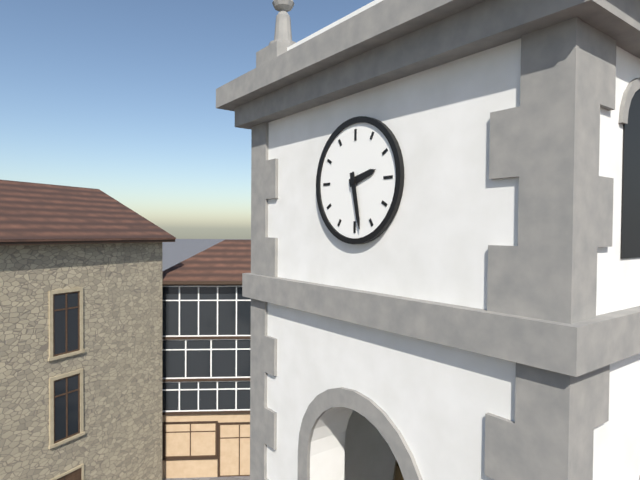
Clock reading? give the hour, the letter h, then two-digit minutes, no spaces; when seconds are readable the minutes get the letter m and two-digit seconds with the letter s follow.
2h28
